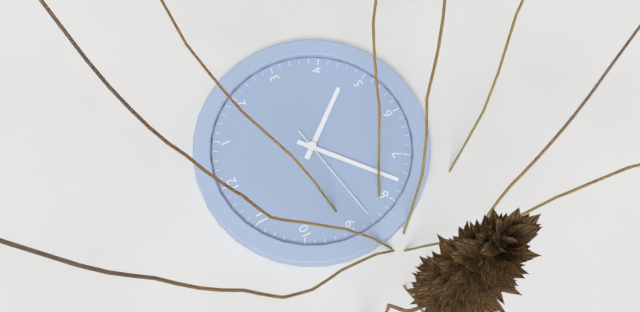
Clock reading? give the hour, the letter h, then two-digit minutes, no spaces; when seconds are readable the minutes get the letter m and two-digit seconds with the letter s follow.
4h38m43s
